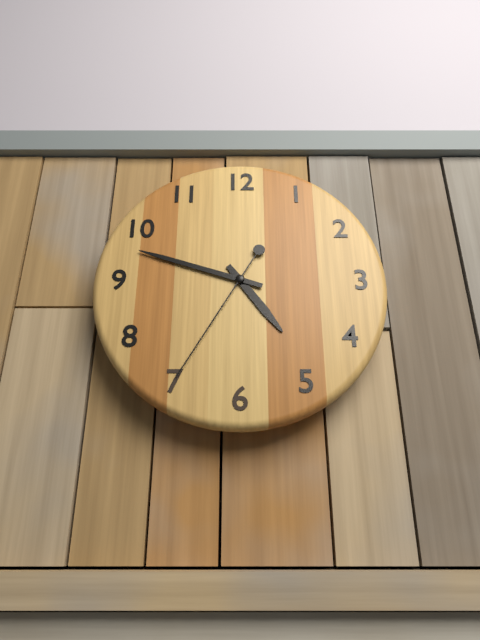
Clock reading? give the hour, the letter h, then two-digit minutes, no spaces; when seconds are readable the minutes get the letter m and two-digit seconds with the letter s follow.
4h48m35s
